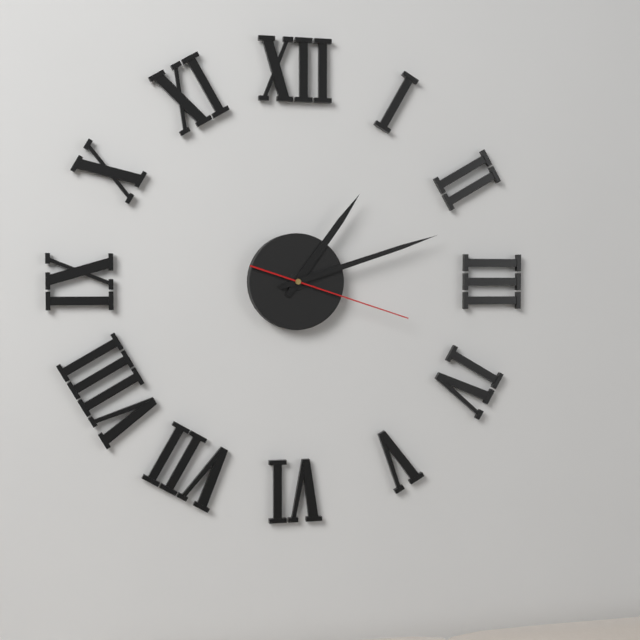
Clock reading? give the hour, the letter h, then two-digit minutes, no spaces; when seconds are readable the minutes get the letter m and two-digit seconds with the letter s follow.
1h12m18s
